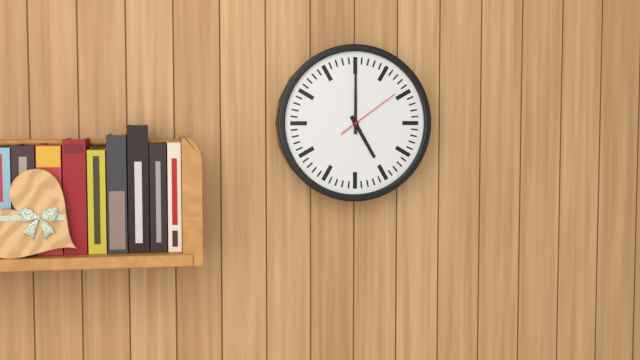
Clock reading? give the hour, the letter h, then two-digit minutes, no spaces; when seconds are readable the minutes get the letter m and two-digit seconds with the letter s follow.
5h00m09s
